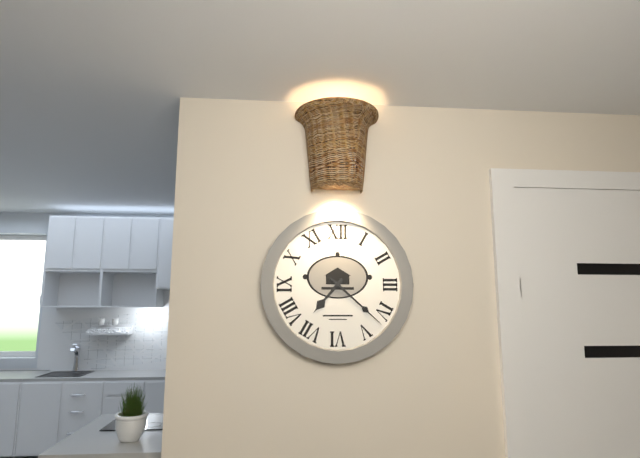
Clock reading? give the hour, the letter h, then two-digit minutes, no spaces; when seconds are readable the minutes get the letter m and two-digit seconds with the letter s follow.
7h22
